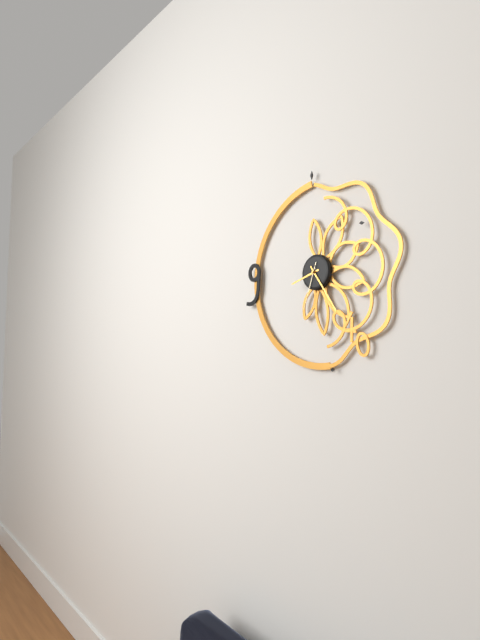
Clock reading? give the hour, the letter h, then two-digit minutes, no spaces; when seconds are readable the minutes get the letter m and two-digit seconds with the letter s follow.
8h24
